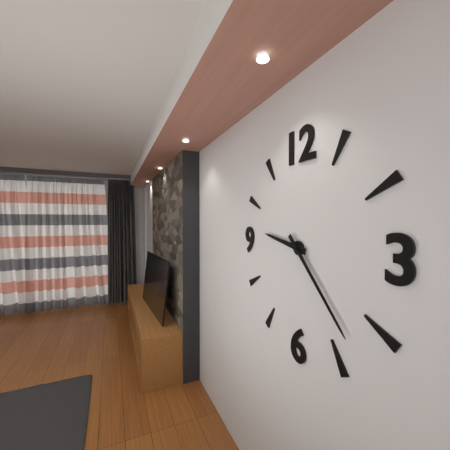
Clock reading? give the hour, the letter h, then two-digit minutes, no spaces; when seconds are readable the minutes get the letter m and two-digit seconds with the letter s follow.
9h23
